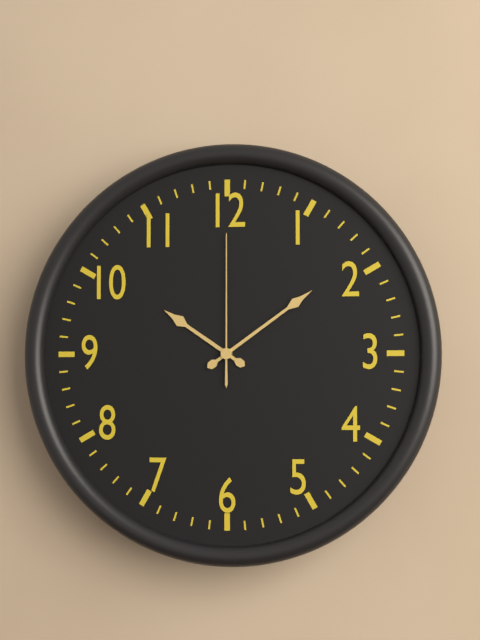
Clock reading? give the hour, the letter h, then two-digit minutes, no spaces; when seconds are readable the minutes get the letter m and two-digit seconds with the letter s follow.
10h09m00s
